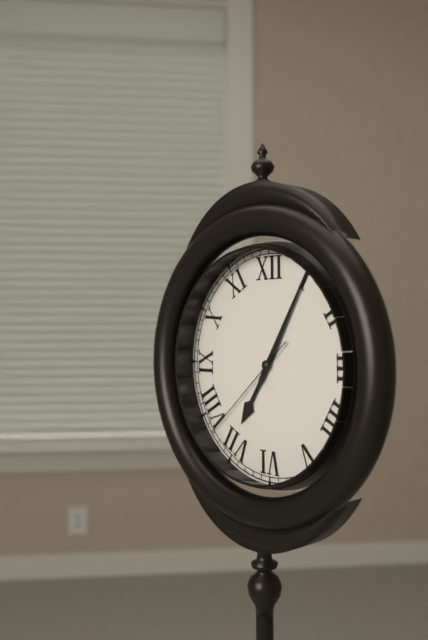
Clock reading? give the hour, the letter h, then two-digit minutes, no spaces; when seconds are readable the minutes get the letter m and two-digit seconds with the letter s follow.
7h05m38s
